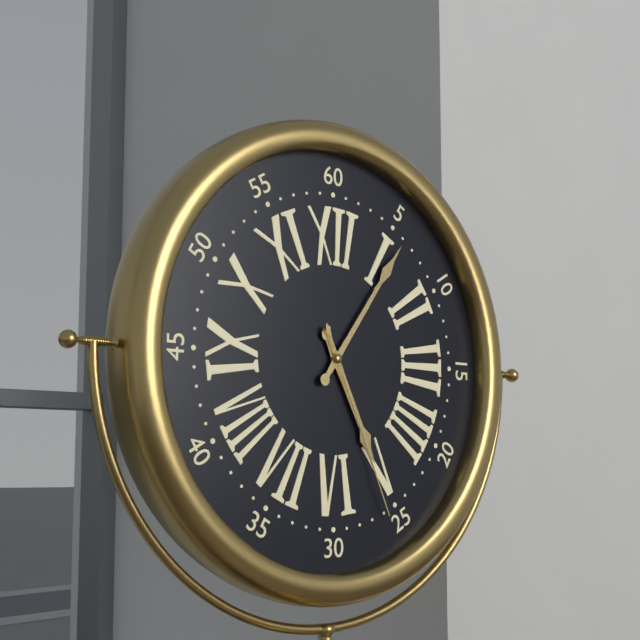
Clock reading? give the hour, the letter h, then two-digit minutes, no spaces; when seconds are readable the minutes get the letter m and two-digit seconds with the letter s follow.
5h06m26s
